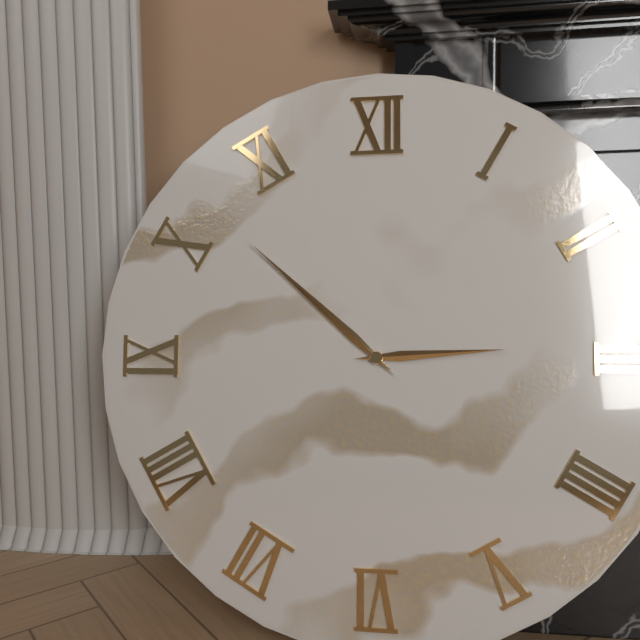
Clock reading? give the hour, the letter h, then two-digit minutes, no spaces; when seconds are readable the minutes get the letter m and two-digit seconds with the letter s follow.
2h52
